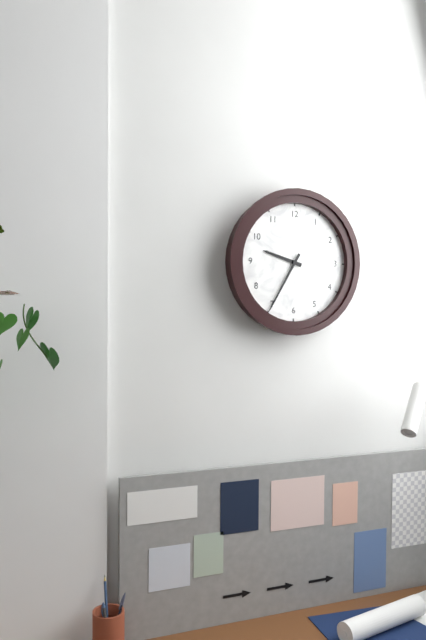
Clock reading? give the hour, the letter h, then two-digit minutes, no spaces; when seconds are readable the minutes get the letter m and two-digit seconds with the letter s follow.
9h35
